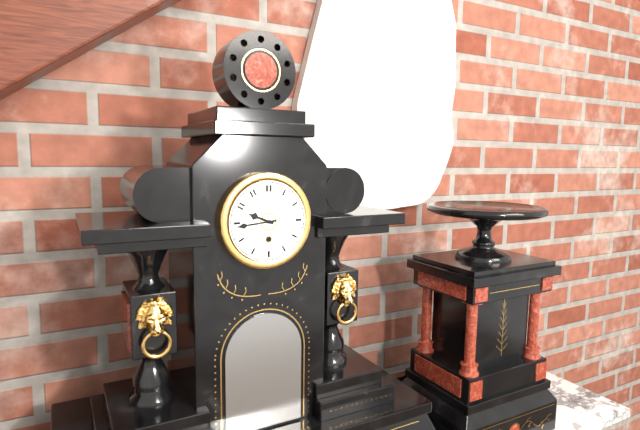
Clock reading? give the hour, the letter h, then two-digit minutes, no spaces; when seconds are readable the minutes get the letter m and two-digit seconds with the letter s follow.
9h44
